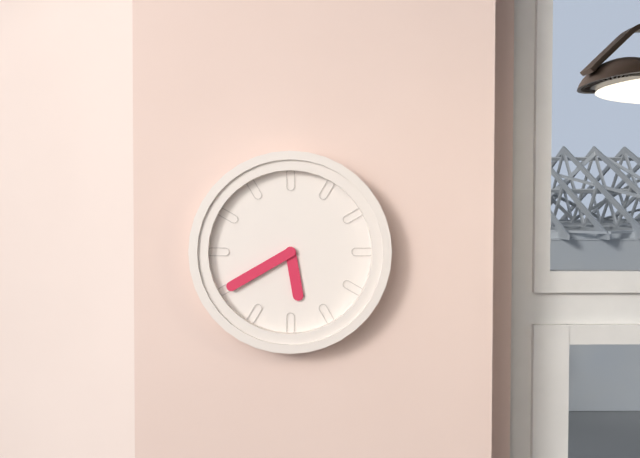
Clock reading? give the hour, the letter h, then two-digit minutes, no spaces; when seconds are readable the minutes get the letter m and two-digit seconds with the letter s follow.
5h40
